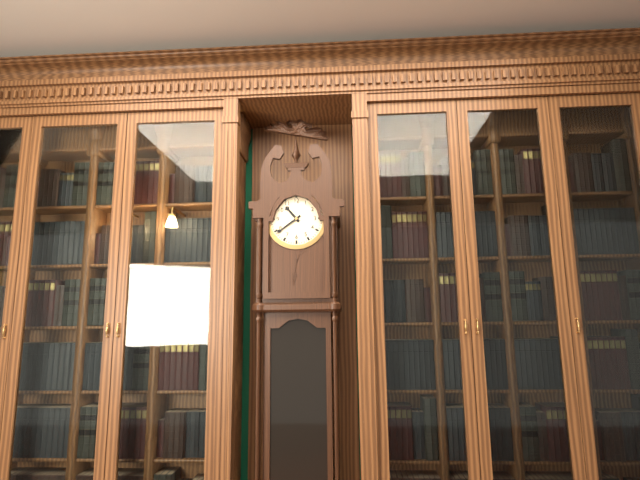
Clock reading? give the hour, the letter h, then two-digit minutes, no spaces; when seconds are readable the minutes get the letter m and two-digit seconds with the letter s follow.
10h39
